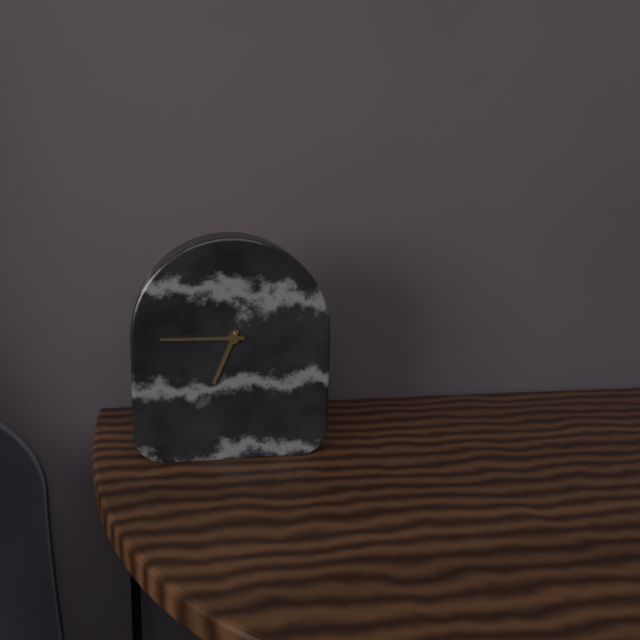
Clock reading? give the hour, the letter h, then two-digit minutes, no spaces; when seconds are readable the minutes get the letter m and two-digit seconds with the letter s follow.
6h45
